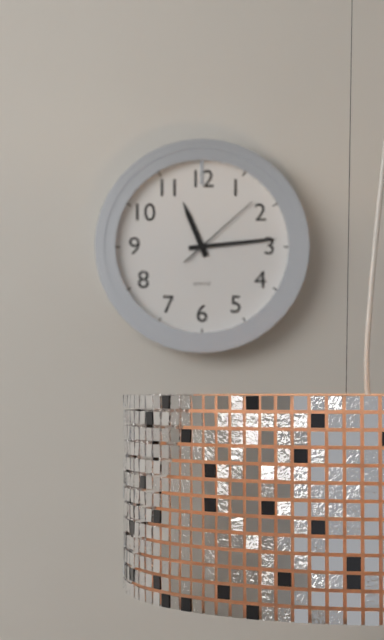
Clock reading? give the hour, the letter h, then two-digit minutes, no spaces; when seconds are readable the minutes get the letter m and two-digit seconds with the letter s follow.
11h14m08s
